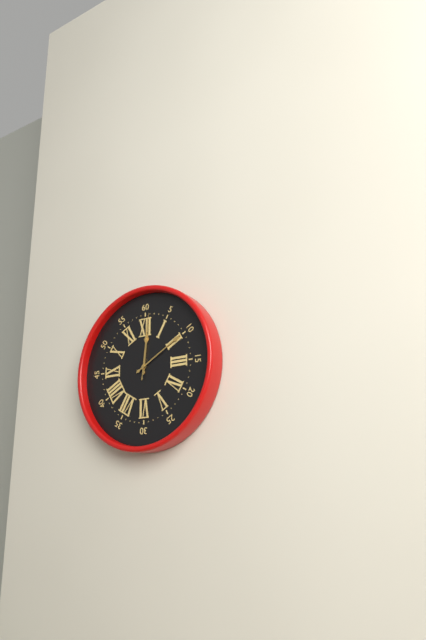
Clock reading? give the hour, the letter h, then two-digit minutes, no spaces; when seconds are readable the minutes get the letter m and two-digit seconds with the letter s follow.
12h10m01s
